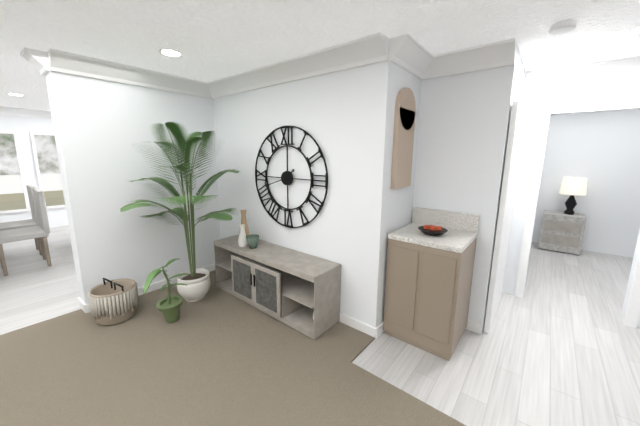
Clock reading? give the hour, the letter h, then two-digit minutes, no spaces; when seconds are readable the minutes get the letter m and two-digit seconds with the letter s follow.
1h42
